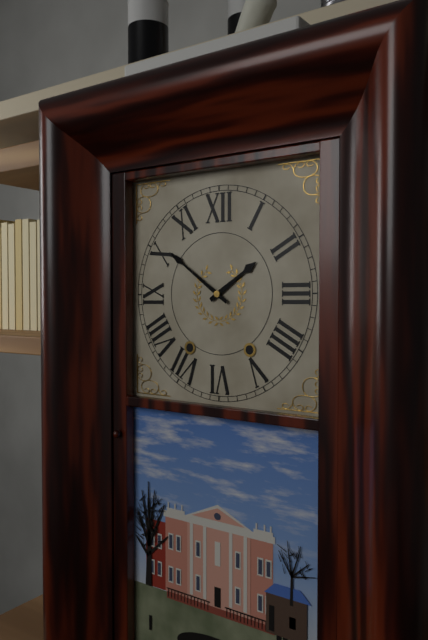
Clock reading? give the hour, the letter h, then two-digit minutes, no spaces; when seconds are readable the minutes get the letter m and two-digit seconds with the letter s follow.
1h51
